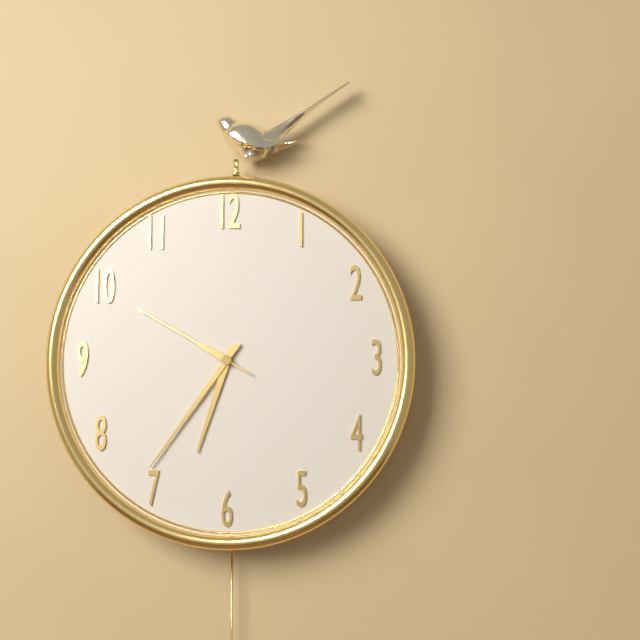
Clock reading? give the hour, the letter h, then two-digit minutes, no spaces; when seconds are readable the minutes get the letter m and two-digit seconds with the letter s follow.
6h36m50s
